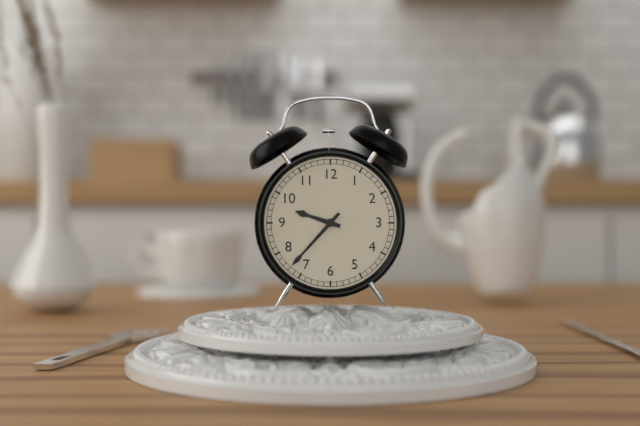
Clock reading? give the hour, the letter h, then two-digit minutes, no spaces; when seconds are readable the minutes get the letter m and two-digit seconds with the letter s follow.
9h37
